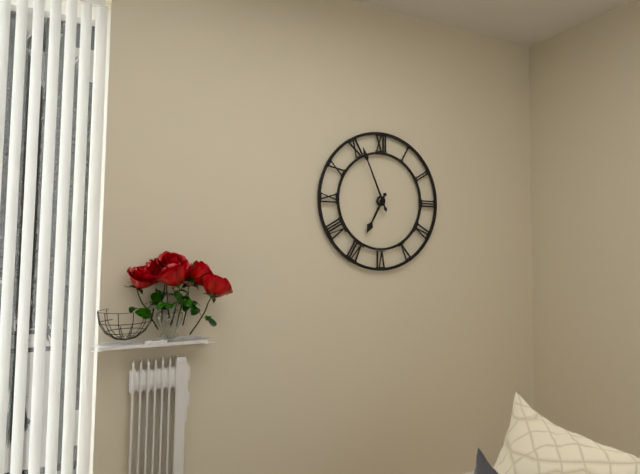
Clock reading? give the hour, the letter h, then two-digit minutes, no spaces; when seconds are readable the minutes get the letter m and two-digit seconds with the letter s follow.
6h56
